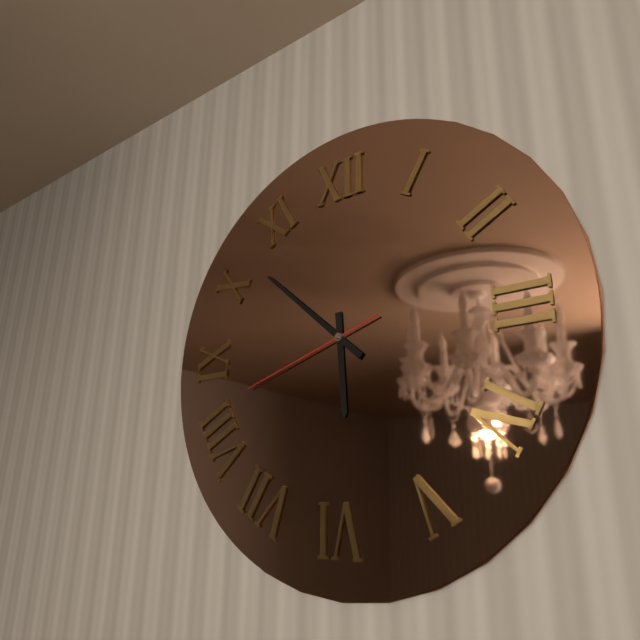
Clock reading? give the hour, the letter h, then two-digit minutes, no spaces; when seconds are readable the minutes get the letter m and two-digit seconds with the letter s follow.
5h52m42s
